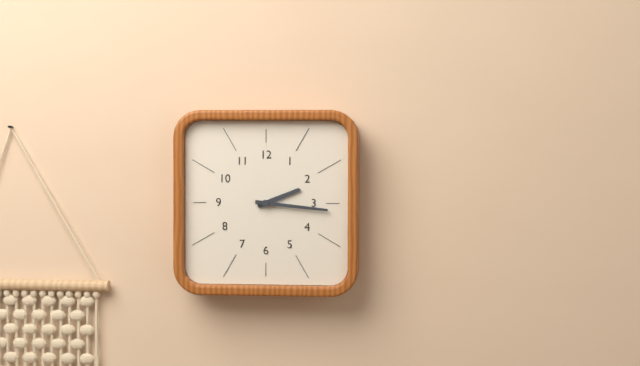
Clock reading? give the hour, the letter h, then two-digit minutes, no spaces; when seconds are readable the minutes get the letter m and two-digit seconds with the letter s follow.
2h16
